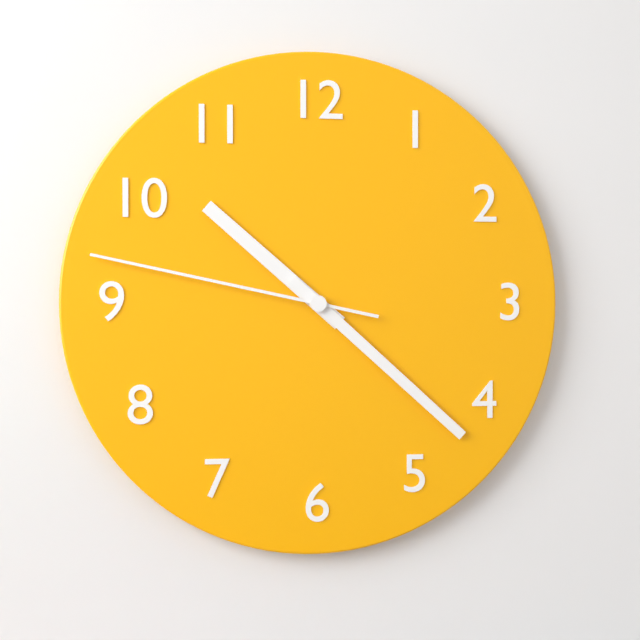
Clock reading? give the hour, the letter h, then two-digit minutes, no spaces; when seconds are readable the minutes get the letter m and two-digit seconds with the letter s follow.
10h22m47s
